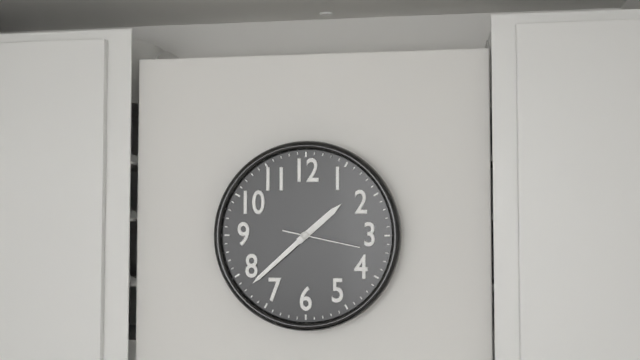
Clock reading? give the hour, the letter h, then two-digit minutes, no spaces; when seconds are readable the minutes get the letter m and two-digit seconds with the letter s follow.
1h38m17s
